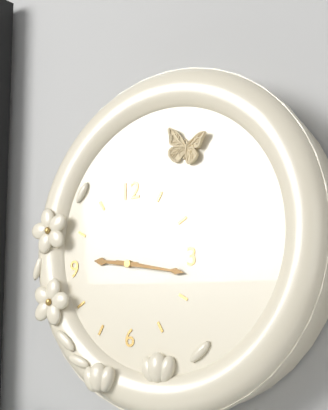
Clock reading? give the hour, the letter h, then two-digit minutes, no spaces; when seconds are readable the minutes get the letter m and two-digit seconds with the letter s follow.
9h17
